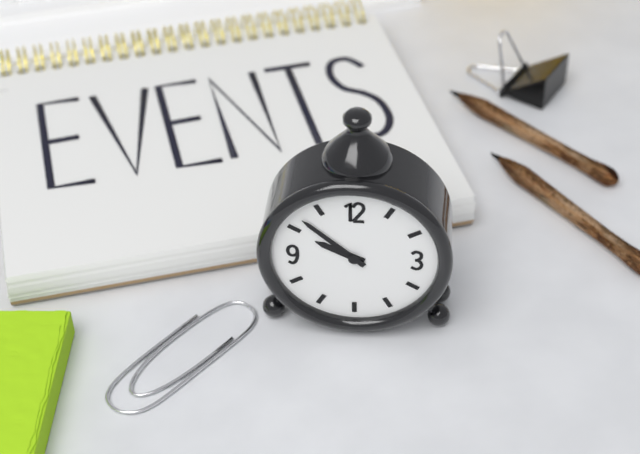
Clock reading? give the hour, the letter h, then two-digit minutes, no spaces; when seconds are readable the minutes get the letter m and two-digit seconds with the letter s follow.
9h52
